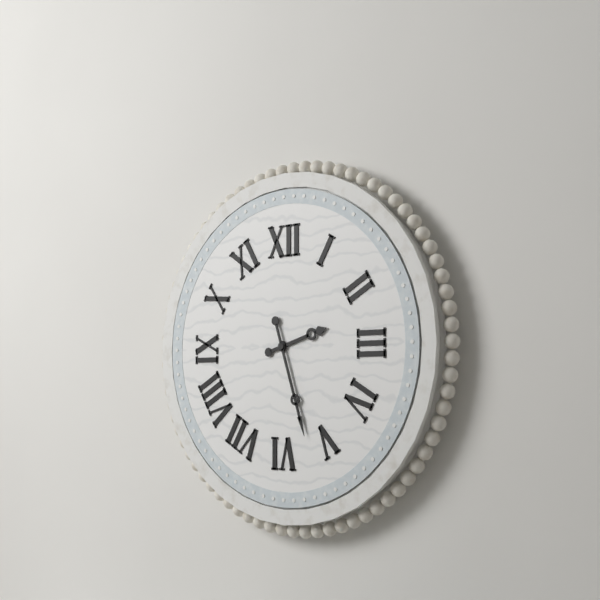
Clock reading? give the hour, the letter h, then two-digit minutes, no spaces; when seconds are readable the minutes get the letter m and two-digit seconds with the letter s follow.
2h27
